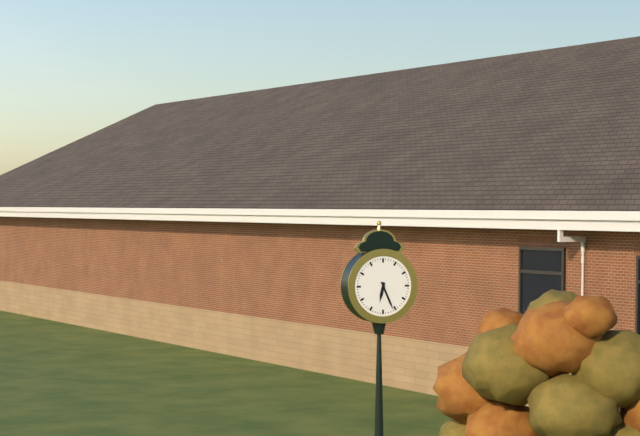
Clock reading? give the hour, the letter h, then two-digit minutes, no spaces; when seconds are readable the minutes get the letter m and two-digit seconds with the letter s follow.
6h26
